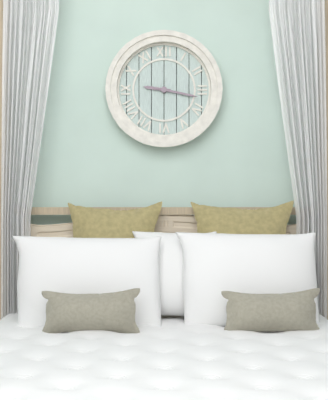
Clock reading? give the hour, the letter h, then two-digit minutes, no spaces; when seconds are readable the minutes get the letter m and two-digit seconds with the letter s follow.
9h17
